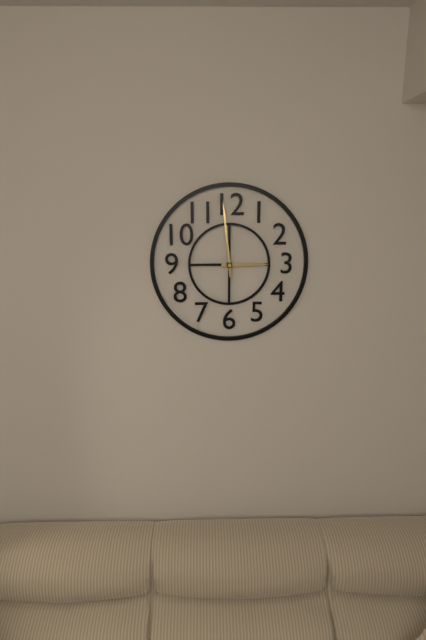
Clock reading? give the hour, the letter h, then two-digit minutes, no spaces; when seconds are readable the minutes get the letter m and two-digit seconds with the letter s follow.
2h59
